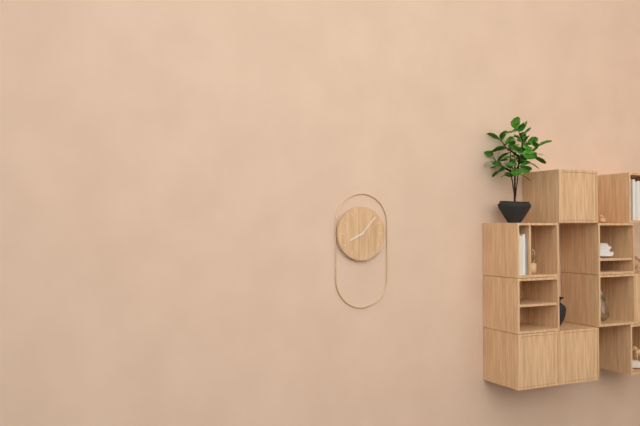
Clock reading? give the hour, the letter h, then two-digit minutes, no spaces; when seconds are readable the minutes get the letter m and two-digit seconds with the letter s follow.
8h07
